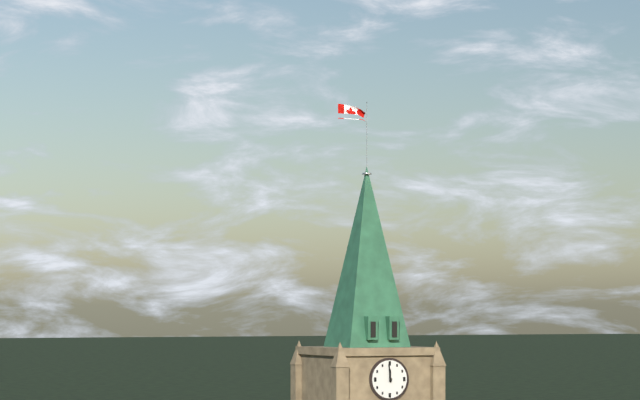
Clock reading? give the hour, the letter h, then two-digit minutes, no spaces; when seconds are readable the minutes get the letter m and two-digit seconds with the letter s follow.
11h59
